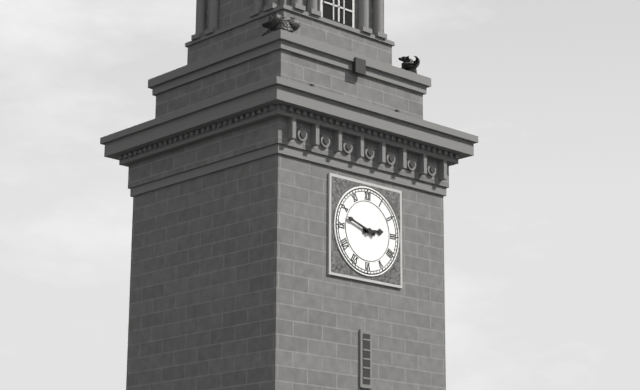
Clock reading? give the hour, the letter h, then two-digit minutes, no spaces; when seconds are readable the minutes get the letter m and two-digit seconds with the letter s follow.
2h48
